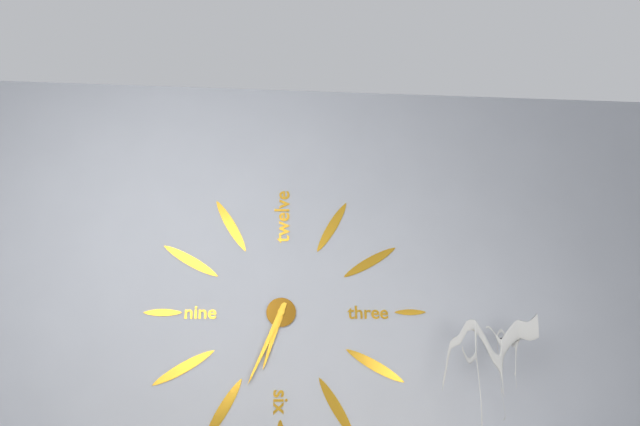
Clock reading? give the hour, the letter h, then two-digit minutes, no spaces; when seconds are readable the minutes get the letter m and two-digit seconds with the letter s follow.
6h34
